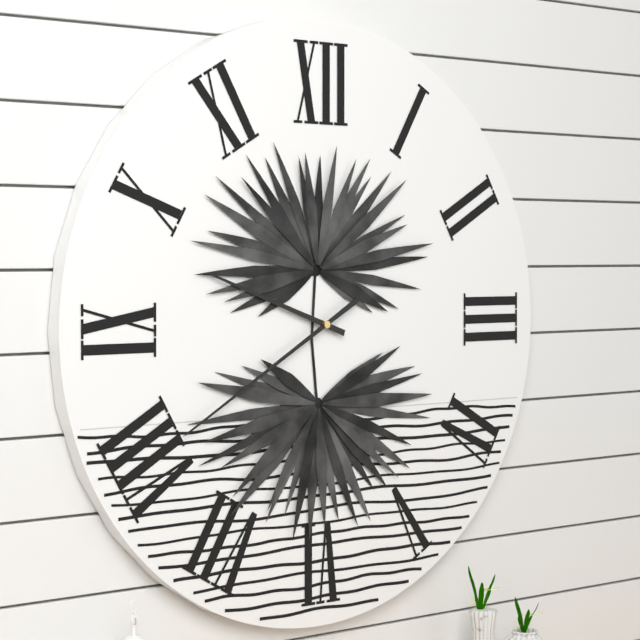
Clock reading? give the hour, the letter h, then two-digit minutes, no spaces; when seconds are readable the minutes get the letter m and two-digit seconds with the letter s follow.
9h40
